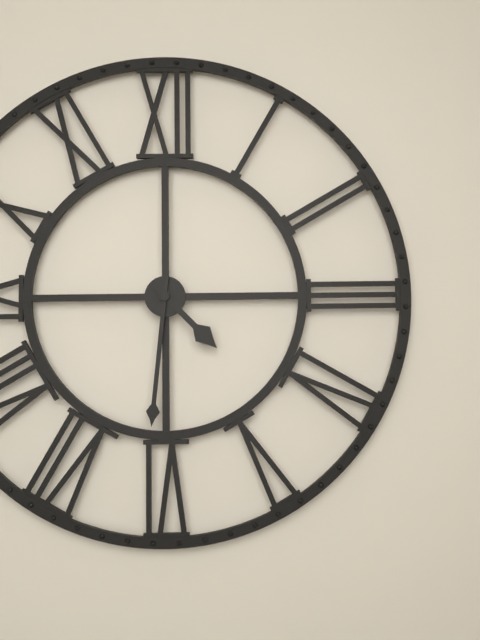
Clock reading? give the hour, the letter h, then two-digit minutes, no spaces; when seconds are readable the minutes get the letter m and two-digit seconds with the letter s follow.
4h31
